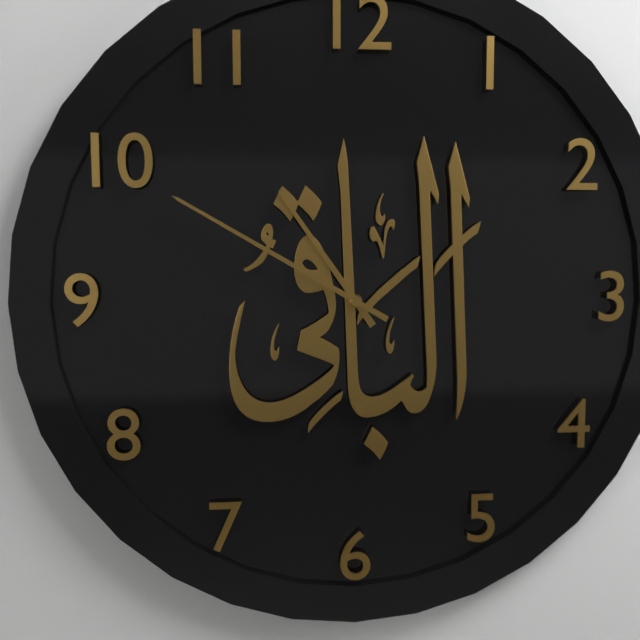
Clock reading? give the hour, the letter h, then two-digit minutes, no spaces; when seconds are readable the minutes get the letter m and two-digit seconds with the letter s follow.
10h50
